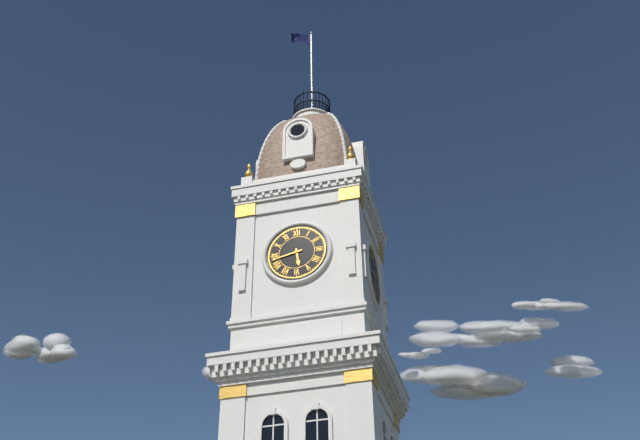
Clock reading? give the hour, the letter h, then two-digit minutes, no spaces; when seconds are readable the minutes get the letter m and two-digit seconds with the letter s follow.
5h43
